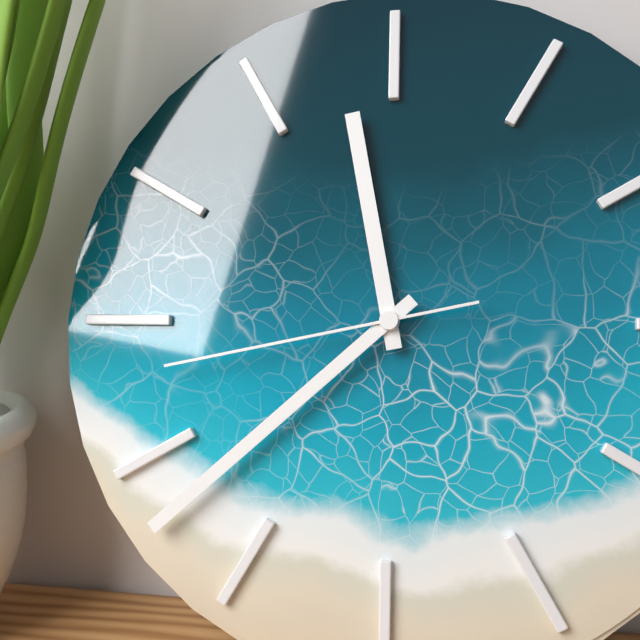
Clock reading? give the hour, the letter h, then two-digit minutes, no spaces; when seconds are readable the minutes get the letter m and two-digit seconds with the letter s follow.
11h38m43s
